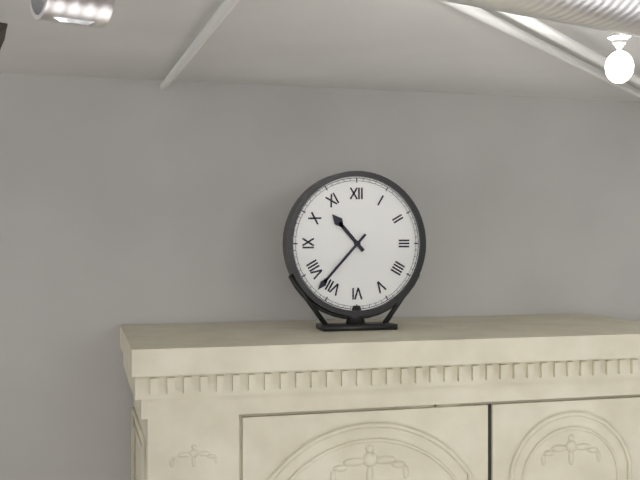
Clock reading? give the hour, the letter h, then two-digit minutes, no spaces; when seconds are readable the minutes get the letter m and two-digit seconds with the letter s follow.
10h37
